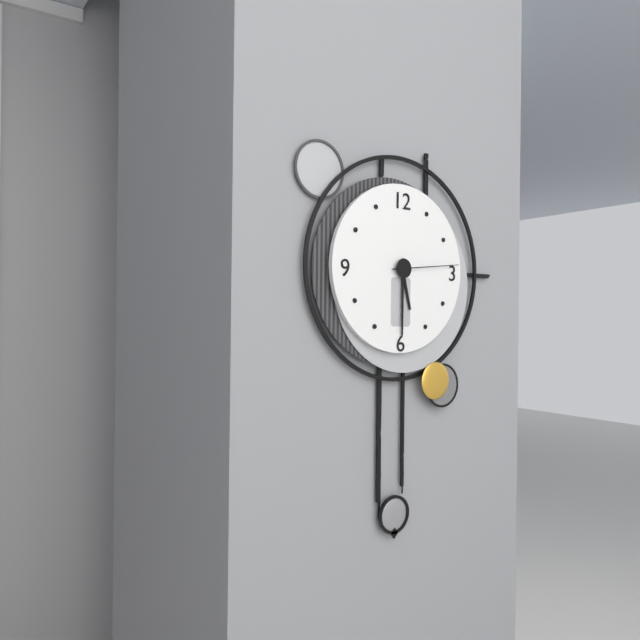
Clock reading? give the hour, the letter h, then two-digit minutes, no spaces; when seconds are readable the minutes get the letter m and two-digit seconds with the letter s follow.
5h30m14s
